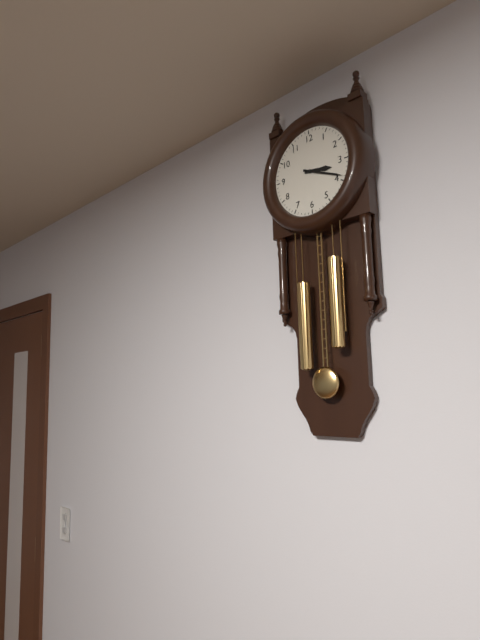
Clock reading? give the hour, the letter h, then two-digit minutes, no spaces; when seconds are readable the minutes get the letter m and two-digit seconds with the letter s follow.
3h19
